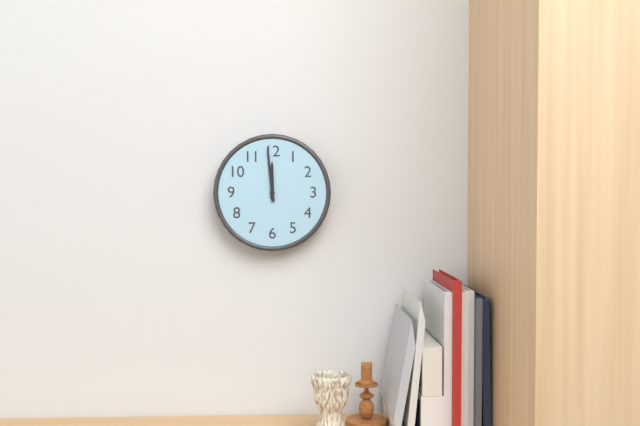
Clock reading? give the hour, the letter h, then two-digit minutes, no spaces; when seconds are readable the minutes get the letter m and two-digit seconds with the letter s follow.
11h59
